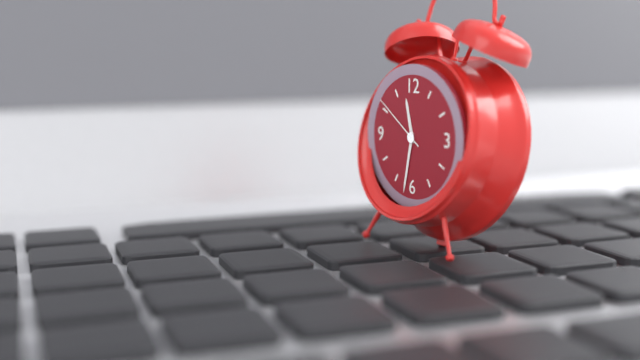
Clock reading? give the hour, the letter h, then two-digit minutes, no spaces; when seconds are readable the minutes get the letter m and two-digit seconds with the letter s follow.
11h32m51s
